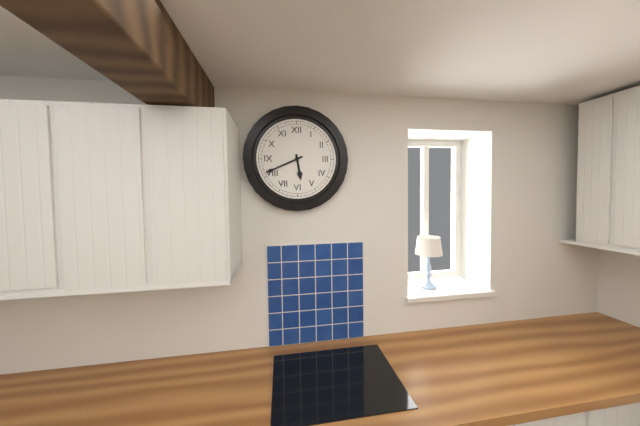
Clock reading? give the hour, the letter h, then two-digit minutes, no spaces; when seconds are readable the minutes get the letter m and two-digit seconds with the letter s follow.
5h41
